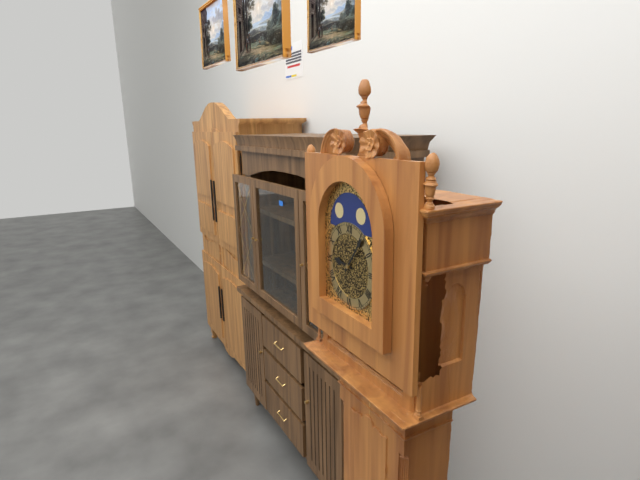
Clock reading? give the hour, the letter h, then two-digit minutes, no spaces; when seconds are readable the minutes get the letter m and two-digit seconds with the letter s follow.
9h06
